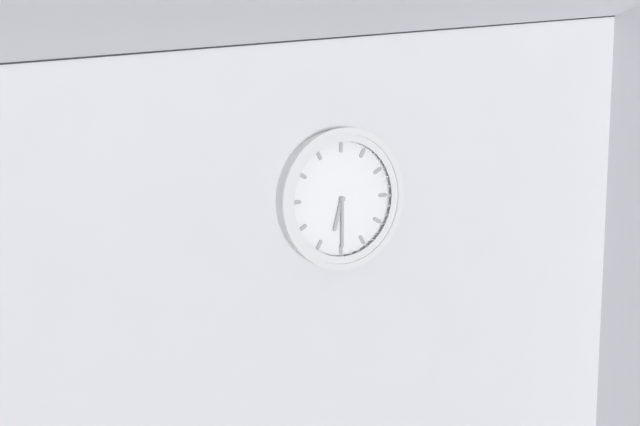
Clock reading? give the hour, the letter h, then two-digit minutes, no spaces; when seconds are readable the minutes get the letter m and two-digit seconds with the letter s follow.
6h30
